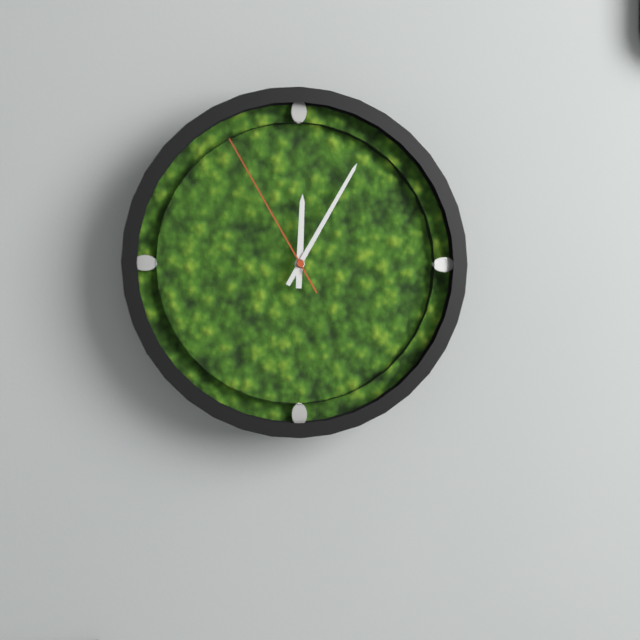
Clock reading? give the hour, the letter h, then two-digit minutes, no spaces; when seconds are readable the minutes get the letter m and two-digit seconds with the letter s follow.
12h05m55s
